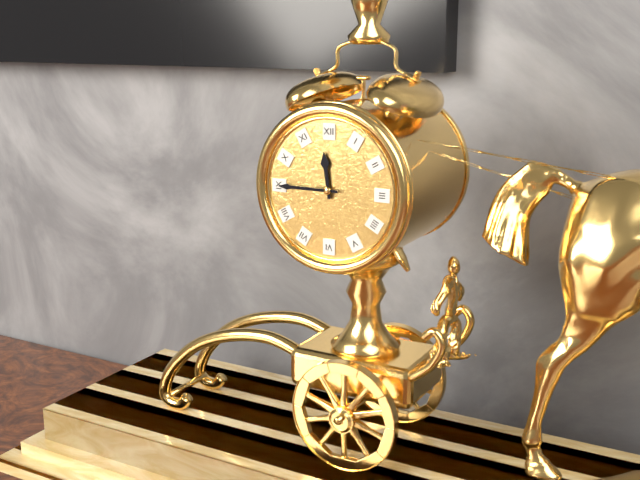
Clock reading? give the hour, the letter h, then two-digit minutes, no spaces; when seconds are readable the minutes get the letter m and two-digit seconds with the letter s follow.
11h45
